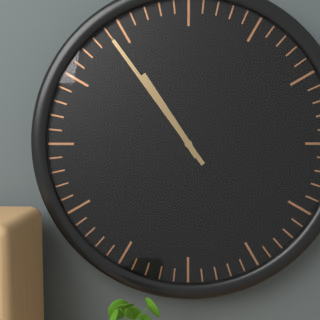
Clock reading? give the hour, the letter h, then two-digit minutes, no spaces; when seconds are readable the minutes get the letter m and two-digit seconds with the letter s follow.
10h54
